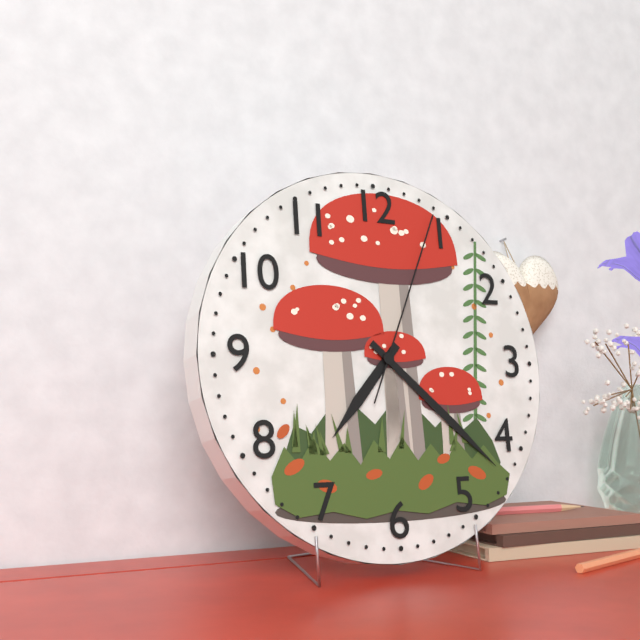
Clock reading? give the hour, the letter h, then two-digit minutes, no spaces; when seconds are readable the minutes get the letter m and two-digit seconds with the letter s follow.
7h22m04s
